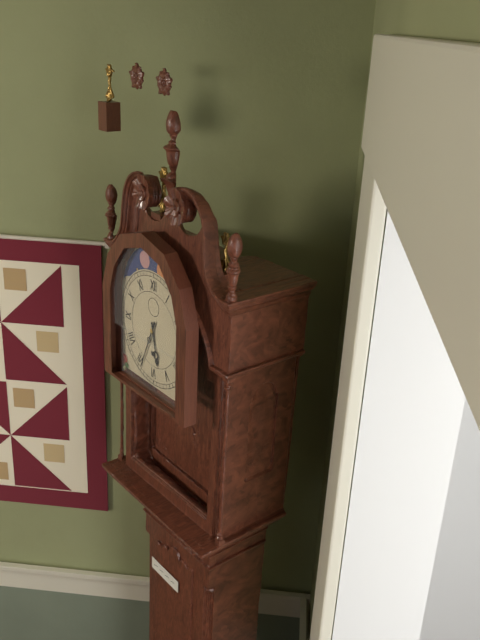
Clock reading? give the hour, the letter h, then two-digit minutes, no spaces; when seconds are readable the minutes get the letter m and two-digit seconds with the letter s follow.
5h34
